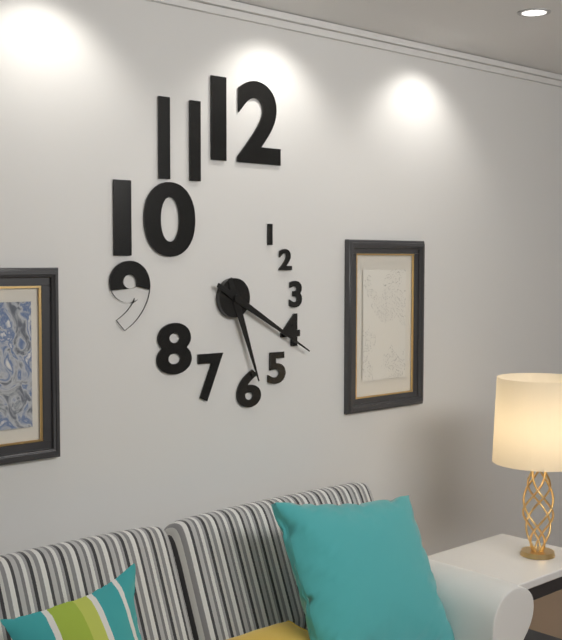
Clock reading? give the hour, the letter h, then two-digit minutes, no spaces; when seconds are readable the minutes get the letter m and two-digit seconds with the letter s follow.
5h20
